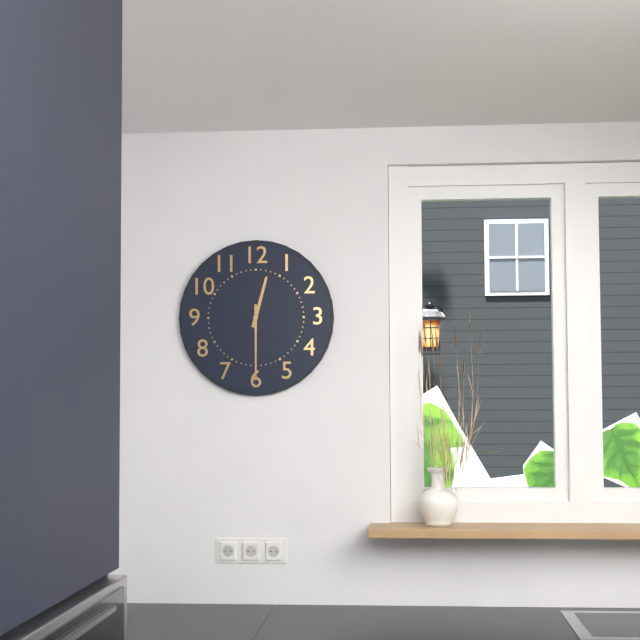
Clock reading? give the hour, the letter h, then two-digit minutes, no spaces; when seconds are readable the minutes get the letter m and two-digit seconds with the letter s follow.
12h30
